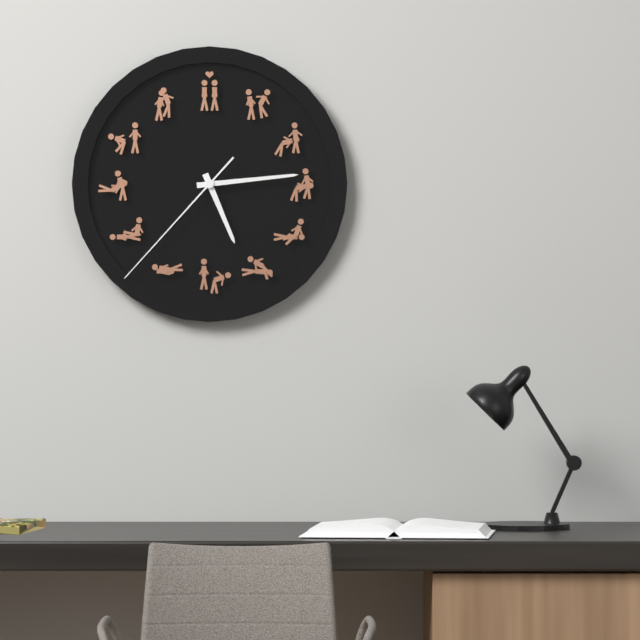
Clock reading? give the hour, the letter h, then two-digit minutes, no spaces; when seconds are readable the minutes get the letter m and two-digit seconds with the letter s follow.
5h14m37s
